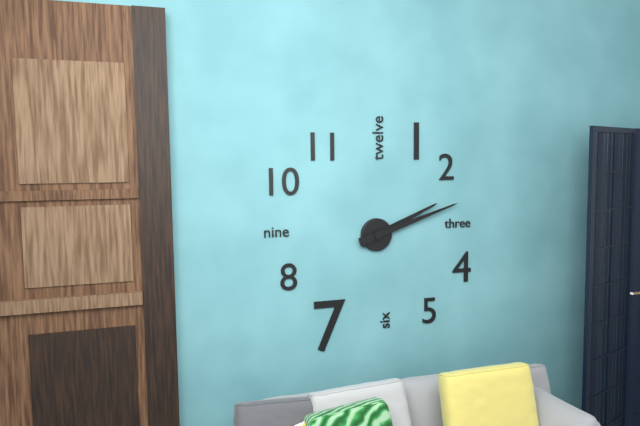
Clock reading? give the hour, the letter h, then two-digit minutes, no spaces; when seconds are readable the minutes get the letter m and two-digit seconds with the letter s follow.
2h12
